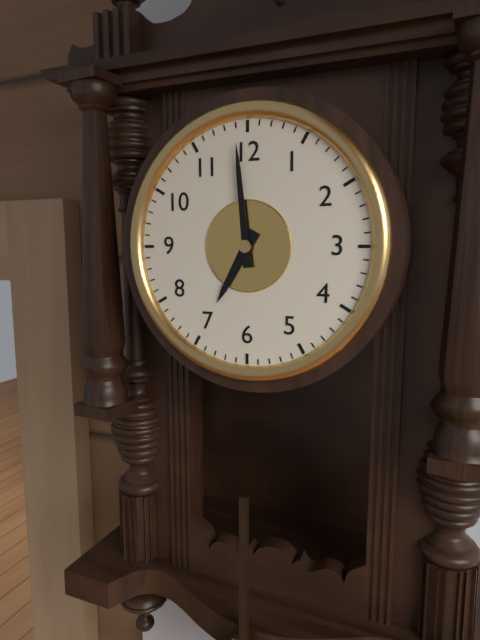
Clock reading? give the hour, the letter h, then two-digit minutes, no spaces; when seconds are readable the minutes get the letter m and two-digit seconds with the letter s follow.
6h59
